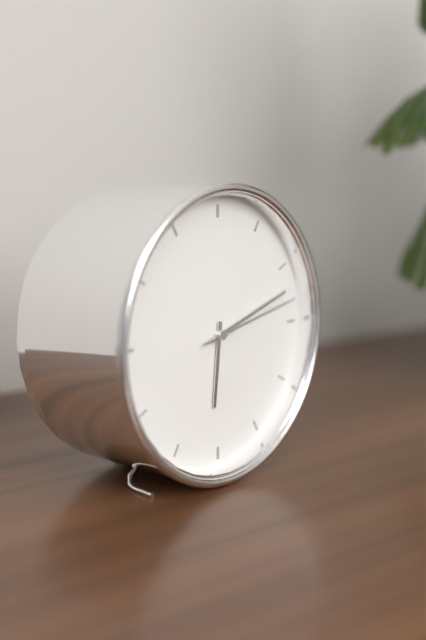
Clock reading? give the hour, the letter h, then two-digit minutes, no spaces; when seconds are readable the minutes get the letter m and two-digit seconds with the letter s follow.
6h12m13s
